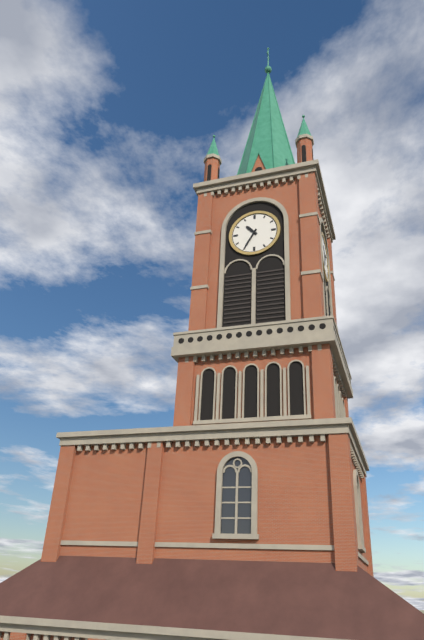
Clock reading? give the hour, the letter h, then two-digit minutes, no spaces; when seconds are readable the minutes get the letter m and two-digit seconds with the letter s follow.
10h35
